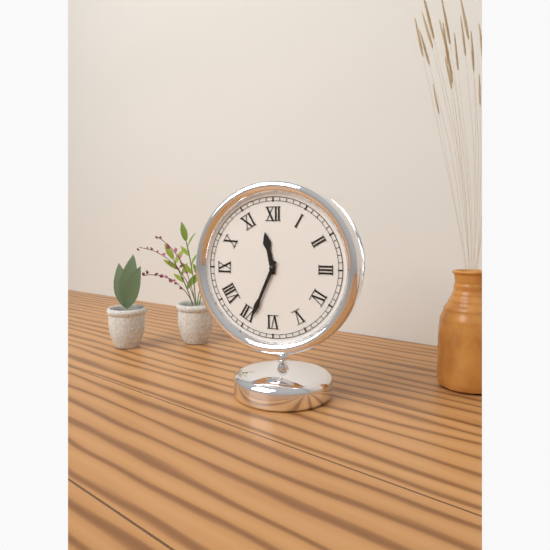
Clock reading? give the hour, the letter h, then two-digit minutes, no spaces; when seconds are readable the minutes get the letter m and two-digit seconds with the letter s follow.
11h34
